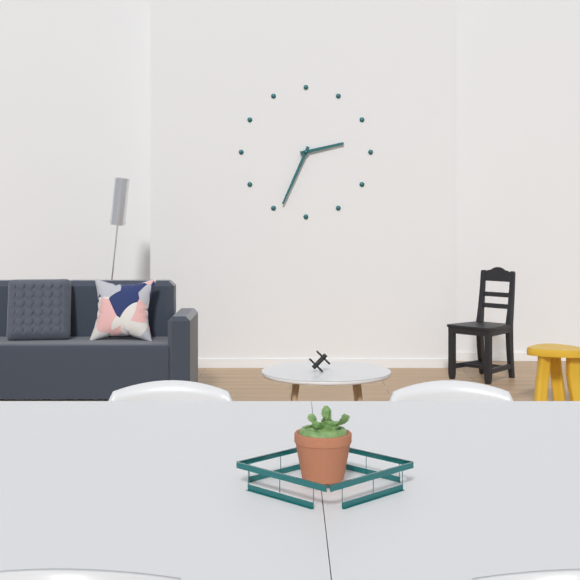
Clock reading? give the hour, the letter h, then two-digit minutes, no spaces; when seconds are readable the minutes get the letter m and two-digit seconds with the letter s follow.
2h34
